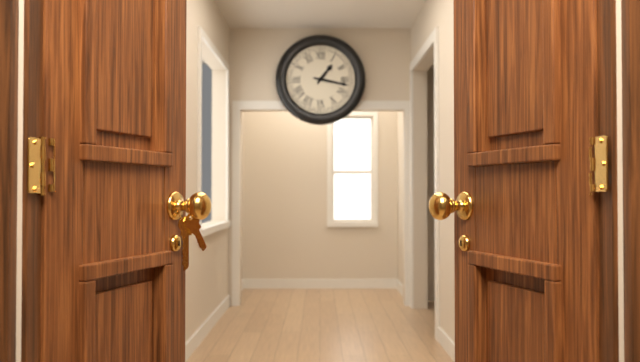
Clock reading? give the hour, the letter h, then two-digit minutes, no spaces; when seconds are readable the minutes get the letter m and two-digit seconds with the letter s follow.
1h17
